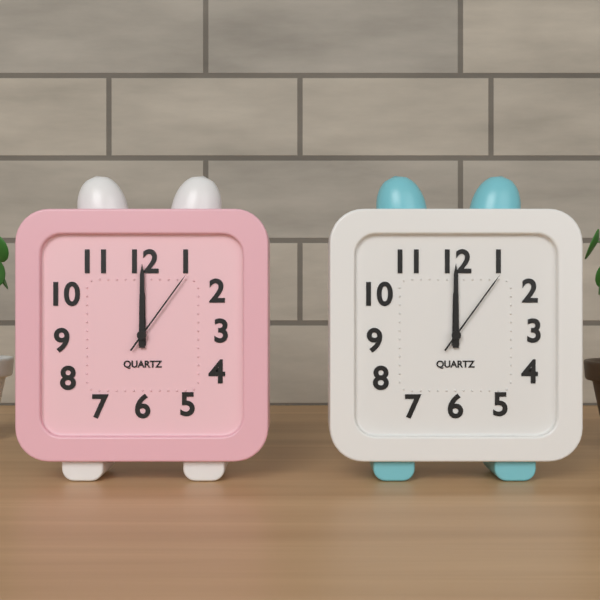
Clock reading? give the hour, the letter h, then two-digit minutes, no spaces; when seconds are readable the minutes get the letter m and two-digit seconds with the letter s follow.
12h00m06s
